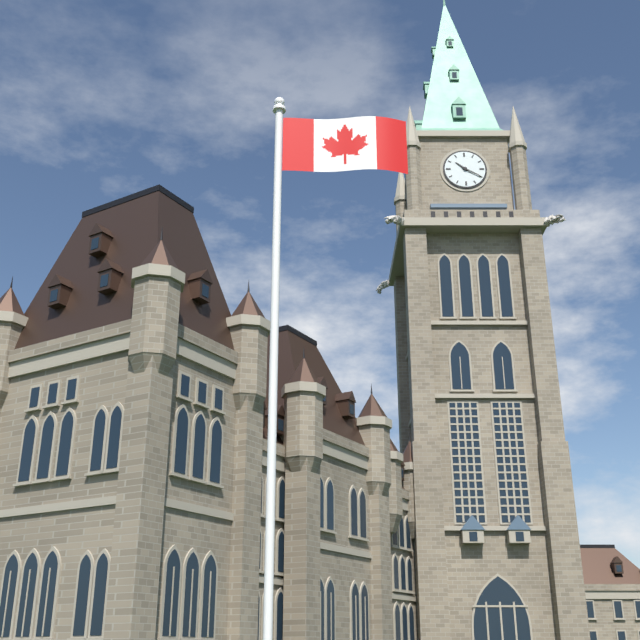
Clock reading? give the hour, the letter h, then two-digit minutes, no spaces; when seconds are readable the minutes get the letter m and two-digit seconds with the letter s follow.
10h20
